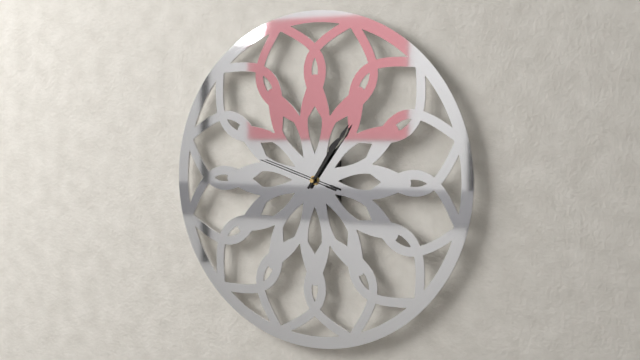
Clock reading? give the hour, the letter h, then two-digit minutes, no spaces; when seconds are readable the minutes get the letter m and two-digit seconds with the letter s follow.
1h06m48s
